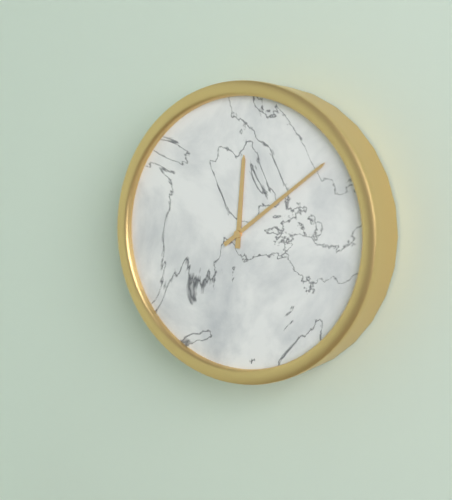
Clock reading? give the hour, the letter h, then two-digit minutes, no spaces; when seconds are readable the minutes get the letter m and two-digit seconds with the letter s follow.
12h09
